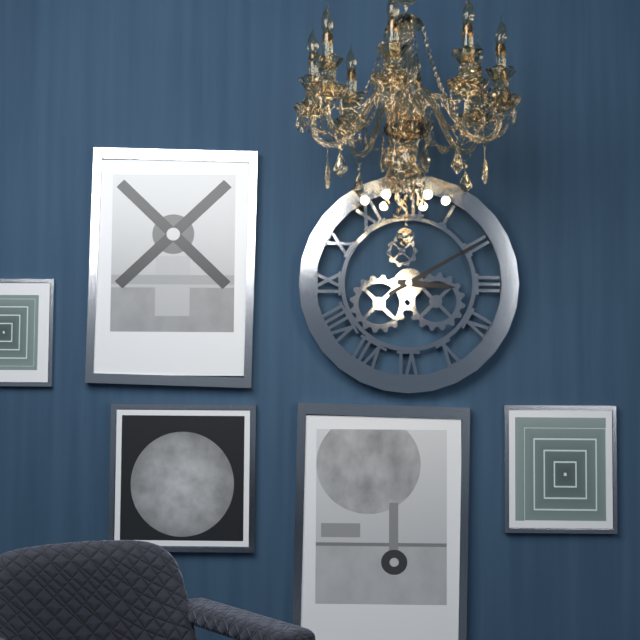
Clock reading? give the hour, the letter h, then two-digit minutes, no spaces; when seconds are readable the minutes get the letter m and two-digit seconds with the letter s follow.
3h10
